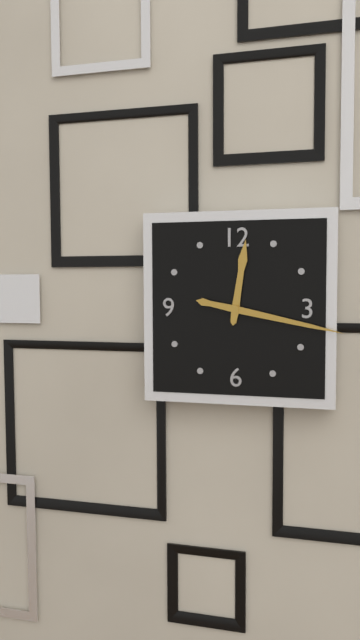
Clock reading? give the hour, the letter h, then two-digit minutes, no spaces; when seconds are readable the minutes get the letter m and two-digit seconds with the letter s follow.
12h17
